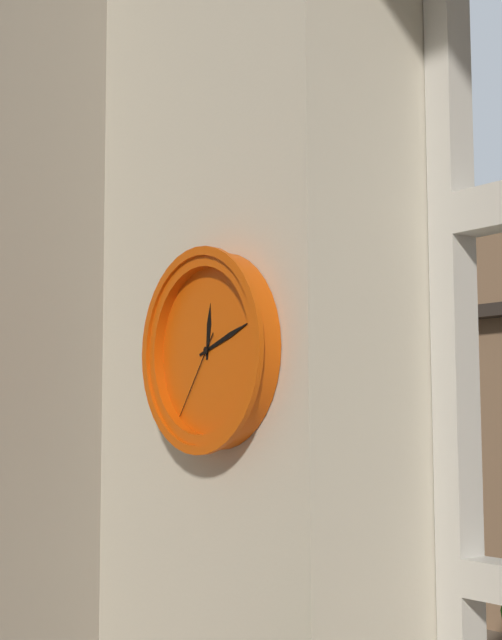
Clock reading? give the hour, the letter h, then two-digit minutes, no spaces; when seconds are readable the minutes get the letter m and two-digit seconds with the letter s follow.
12h12m36s
